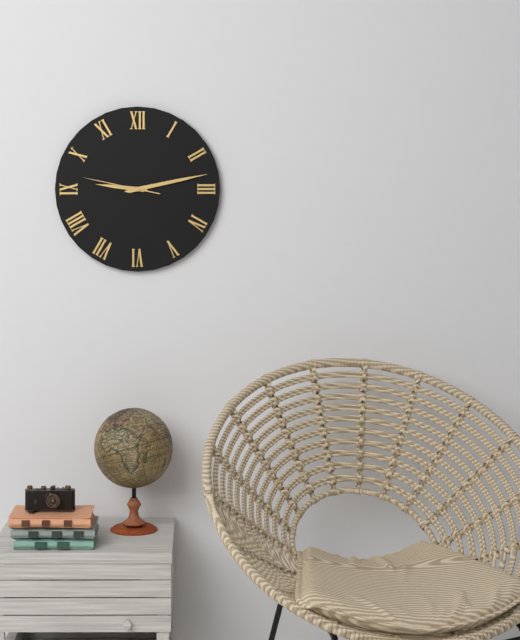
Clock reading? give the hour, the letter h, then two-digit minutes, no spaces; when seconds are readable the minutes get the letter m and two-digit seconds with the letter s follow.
9h13m47s
